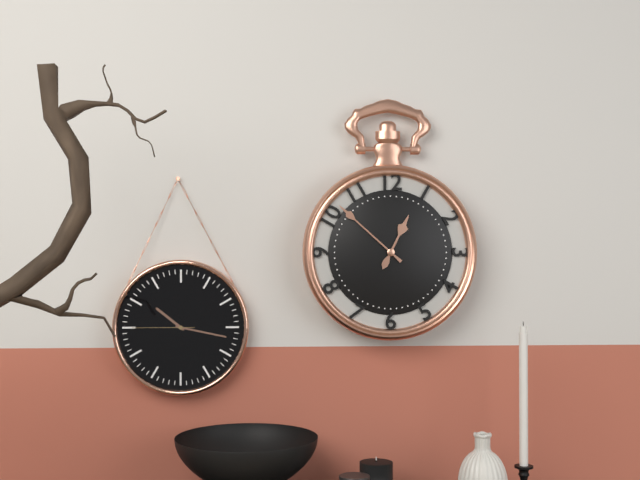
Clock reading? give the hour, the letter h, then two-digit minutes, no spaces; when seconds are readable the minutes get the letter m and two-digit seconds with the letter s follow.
12h52
